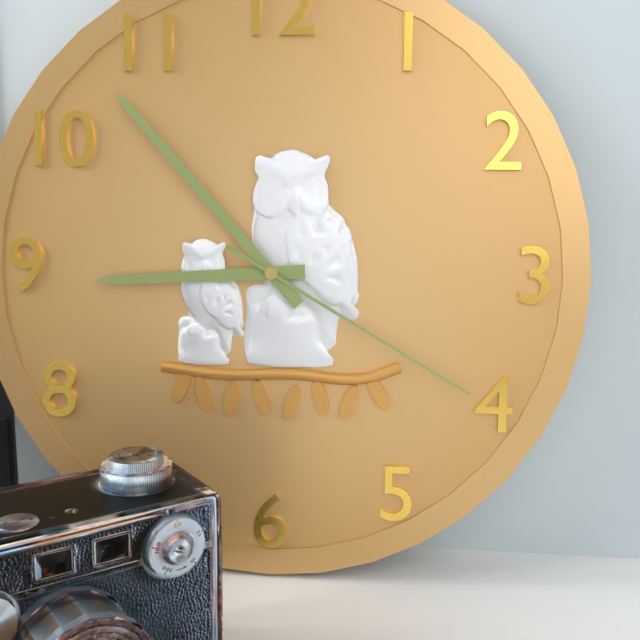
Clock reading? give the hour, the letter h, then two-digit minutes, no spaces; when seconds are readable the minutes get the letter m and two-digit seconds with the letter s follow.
8h53m20s
